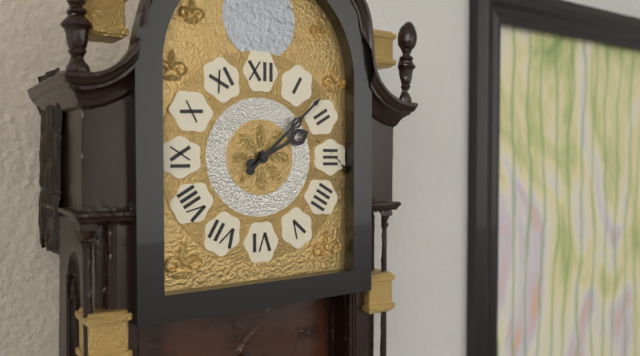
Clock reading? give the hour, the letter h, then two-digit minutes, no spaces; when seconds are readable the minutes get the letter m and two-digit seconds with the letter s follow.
2h08
